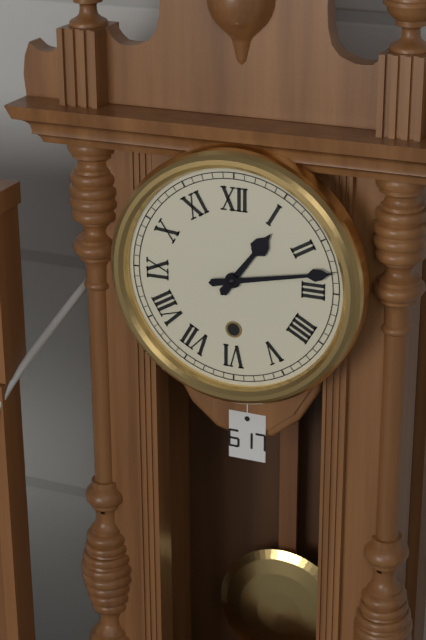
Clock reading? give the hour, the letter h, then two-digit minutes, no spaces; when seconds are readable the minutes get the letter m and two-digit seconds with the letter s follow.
1h13
